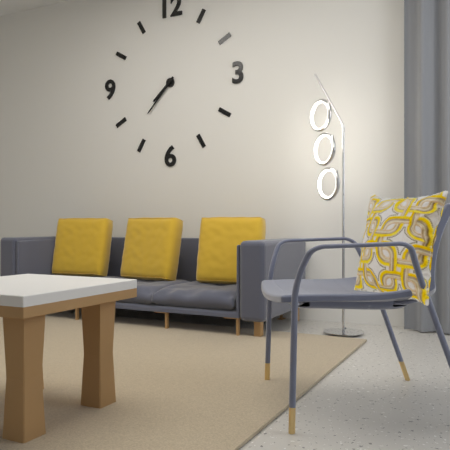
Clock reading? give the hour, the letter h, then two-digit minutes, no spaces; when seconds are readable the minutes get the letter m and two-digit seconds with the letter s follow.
7h37
